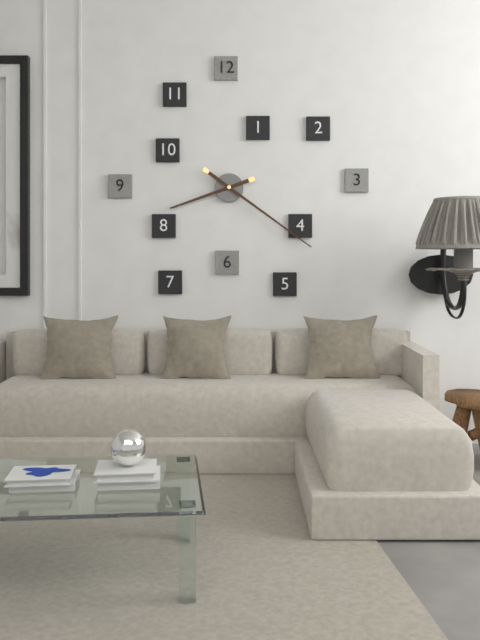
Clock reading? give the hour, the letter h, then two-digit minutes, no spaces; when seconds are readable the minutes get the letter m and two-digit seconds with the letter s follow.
8h21
